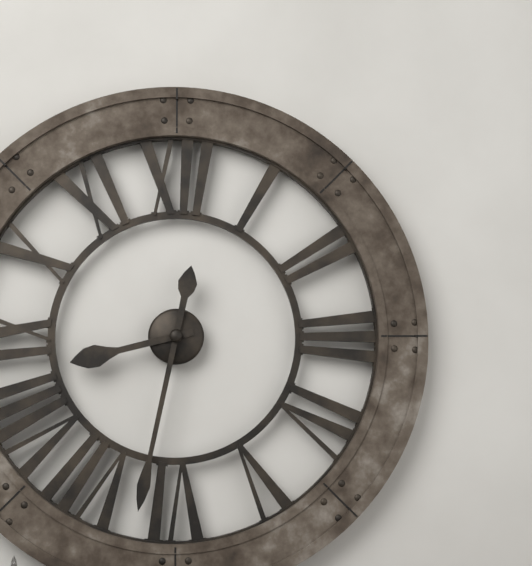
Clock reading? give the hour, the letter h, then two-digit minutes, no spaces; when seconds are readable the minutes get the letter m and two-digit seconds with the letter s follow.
8h32
